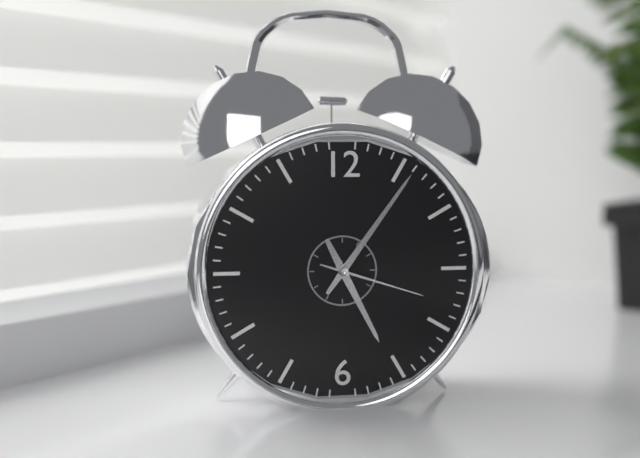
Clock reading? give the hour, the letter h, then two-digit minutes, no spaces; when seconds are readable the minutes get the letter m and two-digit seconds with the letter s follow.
5h06m18s
